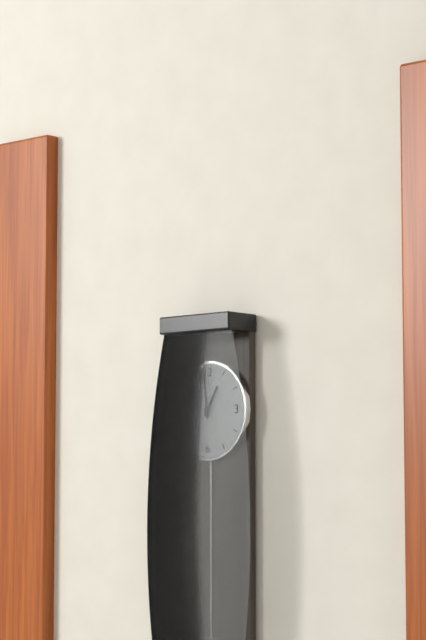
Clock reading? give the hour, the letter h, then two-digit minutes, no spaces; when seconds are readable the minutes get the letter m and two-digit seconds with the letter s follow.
12h59
